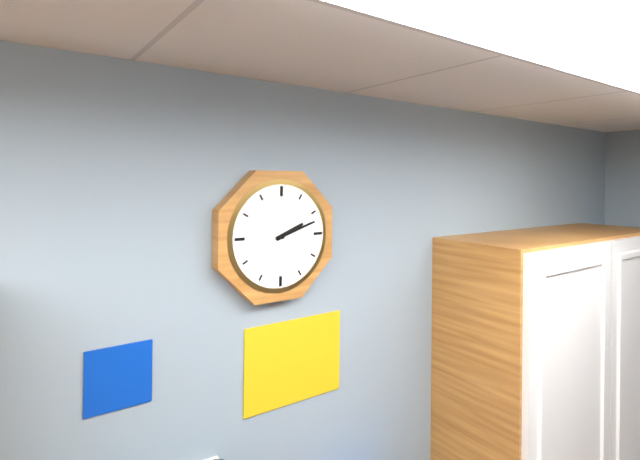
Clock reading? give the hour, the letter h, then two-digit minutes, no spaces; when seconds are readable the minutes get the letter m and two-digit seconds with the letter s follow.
2h12
